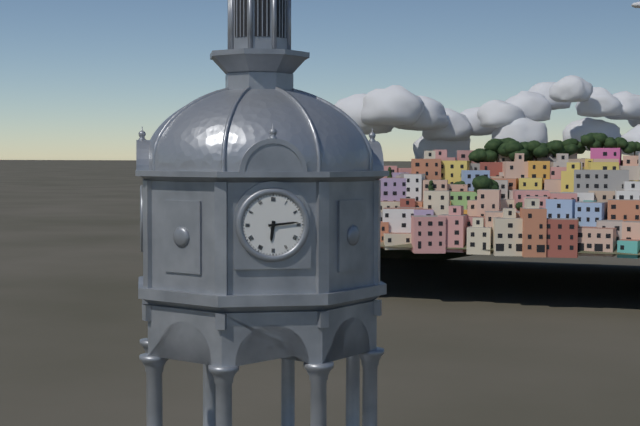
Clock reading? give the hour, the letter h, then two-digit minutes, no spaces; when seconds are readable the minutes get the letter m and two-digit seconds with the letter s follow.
6h14
